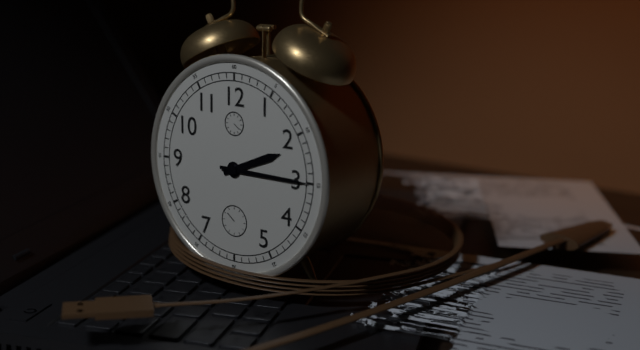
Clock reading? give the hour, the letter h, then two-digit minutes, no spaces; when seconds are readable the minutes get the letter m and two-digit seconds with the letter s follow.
2h15
